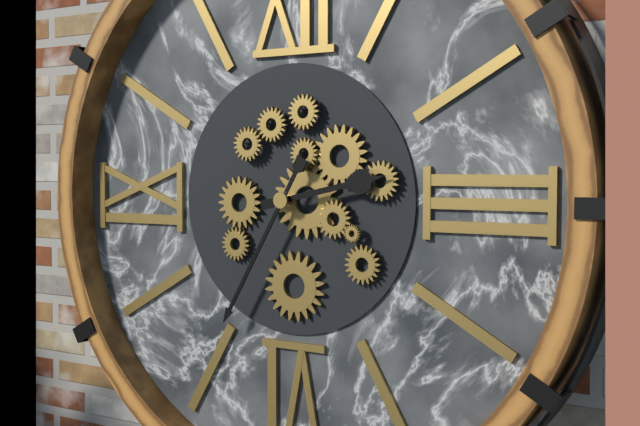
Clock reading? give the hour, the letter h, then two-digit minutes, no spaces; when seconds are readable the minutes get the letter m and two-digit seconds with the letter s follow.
2h35
